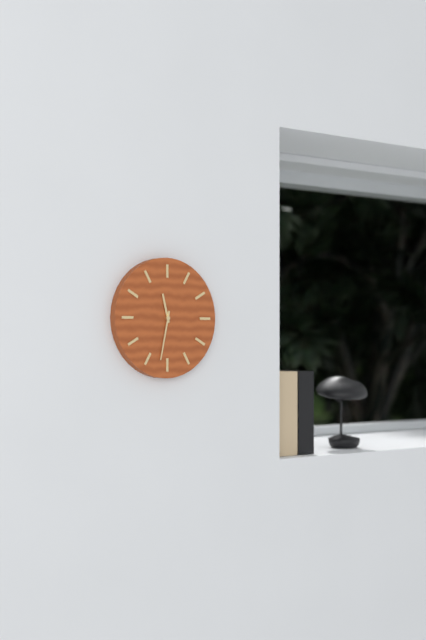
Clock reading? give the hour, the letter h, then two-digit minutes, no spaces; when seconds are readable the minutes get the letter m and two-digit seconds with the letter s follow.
11h32
